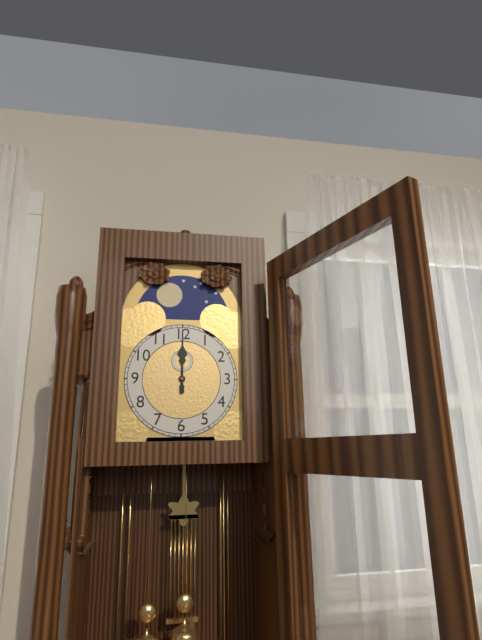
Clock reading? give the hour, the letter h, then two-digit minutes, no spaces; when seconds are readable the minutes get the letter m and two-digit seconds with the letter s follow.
12h00
